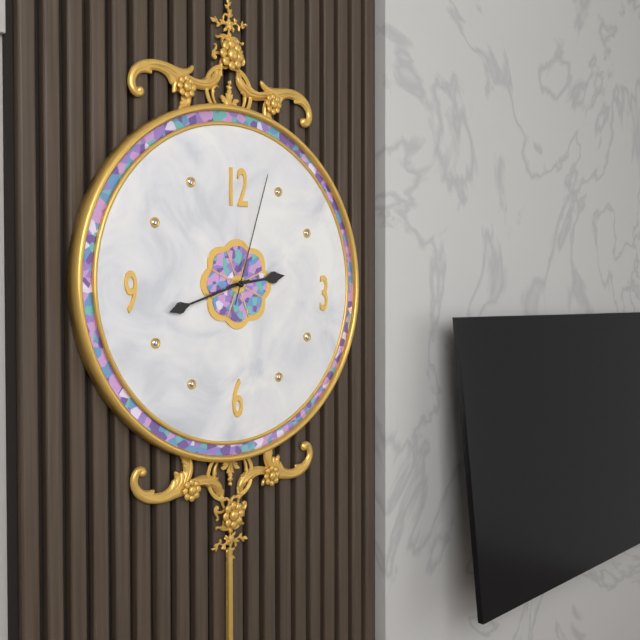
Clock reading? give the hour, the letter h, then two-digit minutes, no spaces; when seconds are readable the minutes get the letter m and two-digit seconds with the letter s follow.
2h42m03s
